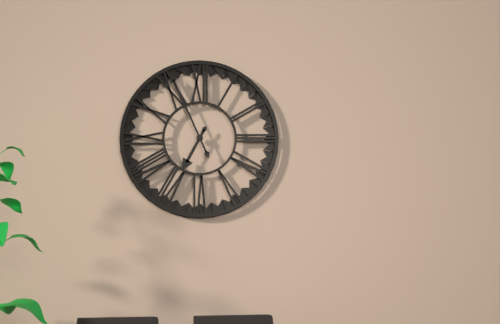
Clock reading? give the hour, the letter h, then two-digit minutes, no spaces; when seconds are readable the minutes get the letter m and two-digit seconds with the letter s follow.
6h56
